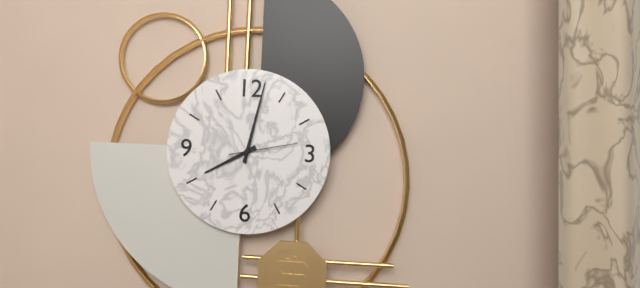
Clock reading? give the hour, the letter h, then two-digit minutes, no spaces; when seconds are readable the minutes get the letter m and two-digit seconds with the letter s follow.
8h02m13s
